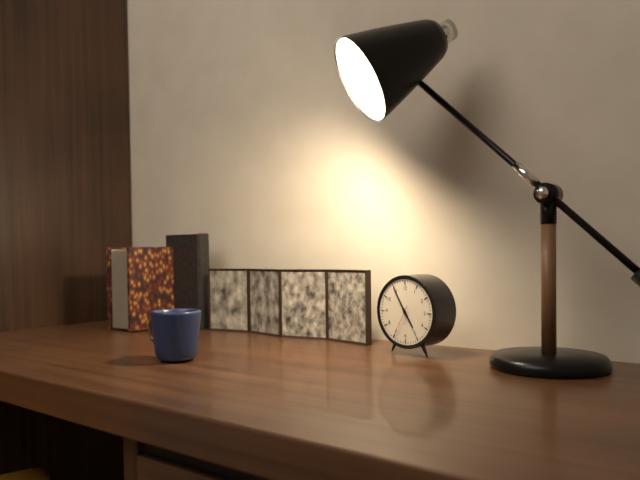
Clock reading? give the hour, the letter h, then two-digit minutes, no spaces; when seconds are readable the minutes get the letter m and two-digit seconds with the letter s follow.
4h55
